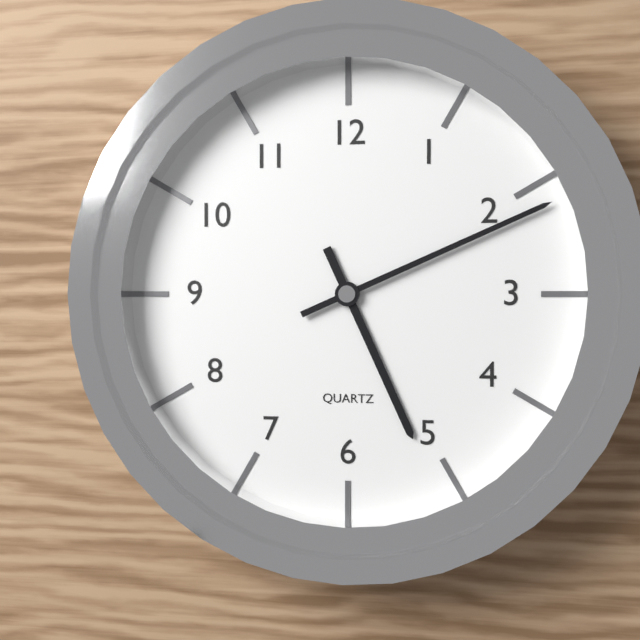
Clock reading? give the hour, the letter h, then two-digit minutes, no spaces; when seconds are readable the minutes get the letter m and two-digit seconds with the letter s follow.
5h11
